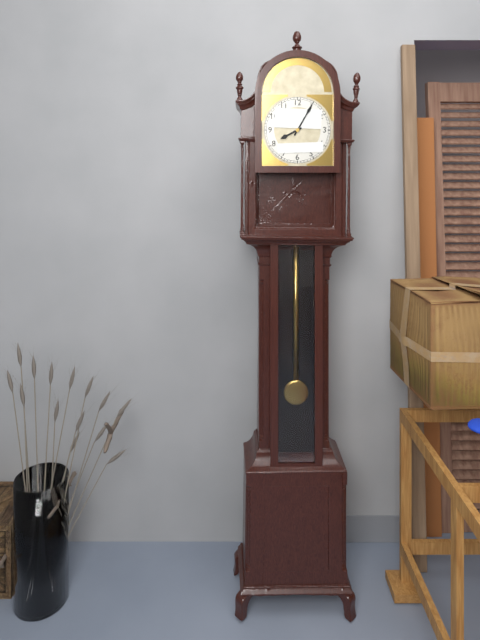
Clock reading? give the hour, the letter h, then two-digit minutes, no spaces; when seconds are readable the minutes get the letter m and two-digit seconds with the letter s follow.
8h05
